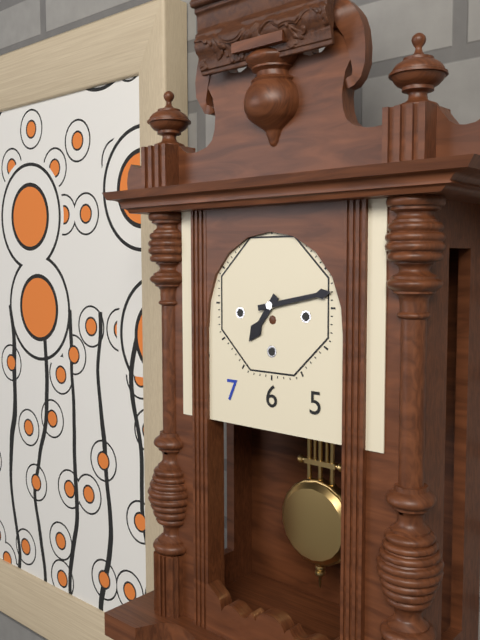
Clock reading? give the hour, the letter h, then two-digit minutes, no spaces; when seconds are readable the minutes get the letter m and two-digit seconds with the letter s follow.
7h13
